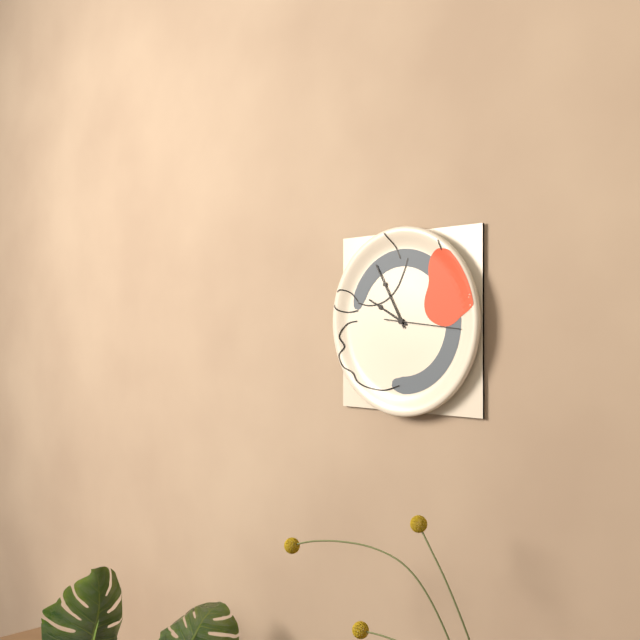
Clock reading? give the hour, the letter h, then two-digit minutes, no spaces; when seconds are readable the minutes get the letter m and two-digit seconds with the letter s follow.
9h55m16s
